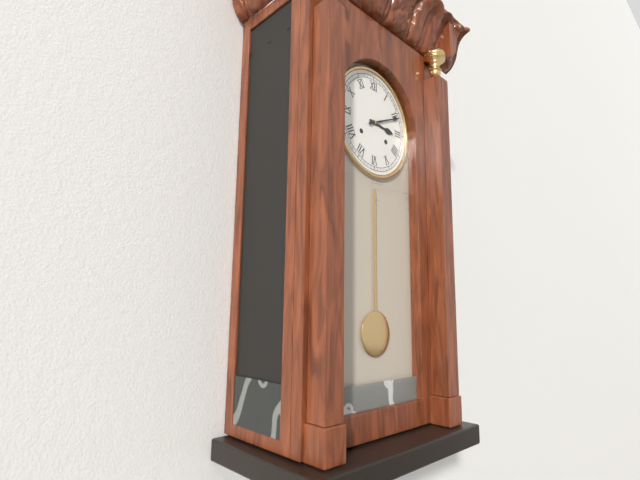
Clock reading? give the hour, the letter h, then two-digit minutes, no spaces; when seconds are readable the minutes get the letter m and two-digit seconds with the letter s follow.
3h11
